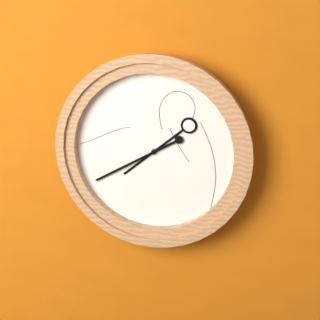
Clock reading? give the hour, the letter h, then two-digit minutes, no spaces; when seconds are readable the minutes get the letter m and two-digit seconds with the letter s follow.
7h40
